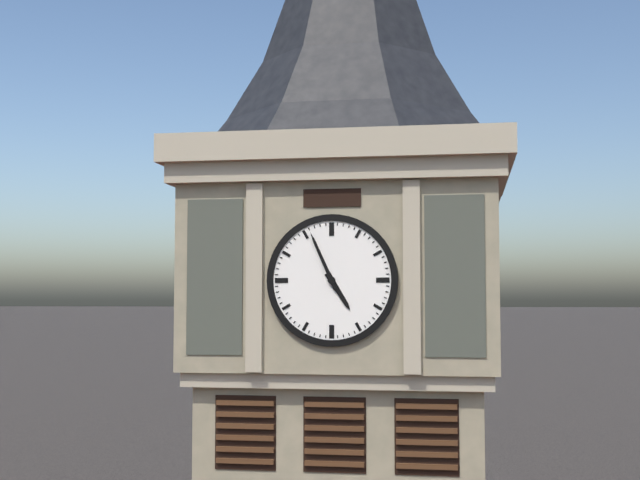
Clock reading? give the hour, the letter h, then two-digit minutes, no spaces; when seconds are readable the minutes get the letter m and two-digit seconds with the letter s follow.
4h56
